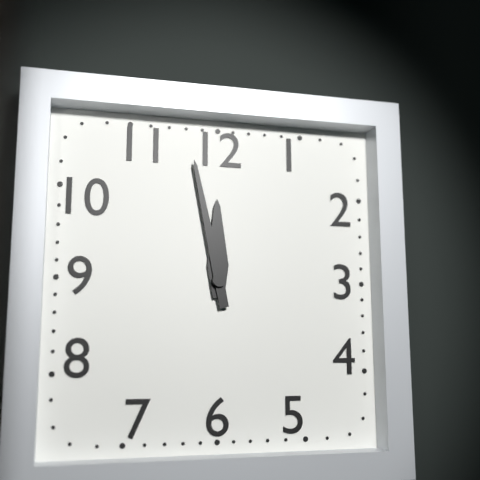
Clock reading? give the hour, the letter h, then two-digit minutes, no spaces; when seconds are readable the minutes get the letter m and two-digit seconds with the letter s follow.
11h58
